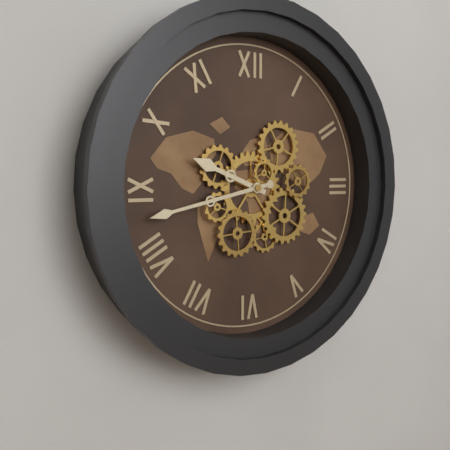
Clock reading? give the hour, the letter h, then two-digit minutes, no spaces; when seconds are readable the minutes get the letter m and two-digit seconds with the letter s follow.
9h43
